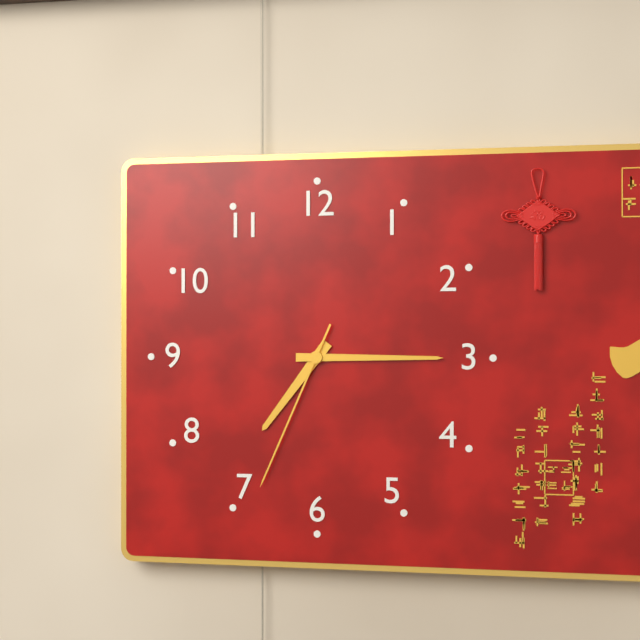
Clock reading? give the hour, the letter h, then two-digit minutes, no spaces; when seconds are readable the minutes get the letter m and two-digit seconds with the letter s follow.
7h15m34s
